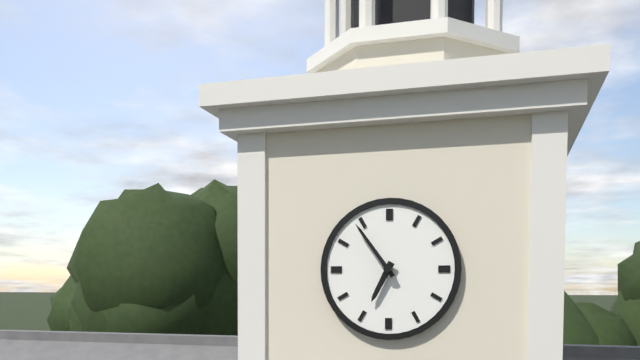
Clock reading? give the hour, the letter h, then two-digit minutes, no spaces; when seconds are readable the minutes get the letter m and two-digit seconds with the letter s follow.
6h54
